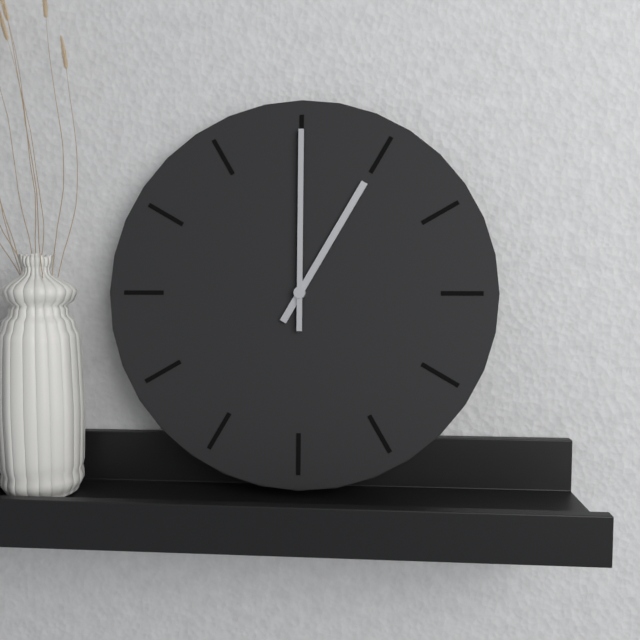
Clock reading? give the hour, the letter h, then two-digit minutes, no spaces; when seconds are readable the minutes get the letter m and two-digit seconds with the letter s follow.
1h00
